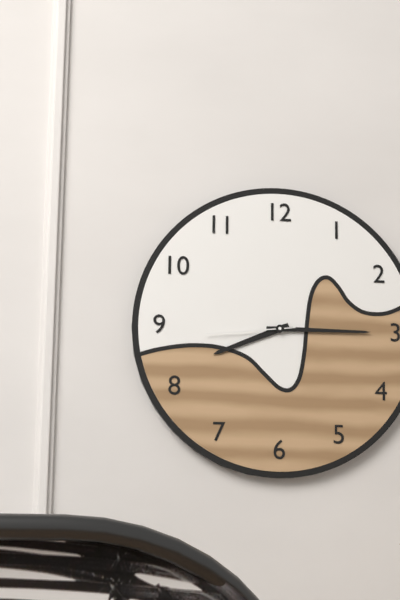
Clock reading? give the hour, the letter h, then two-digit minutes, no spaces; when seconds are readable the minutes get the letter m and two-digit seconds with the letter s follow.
8h15m44s
